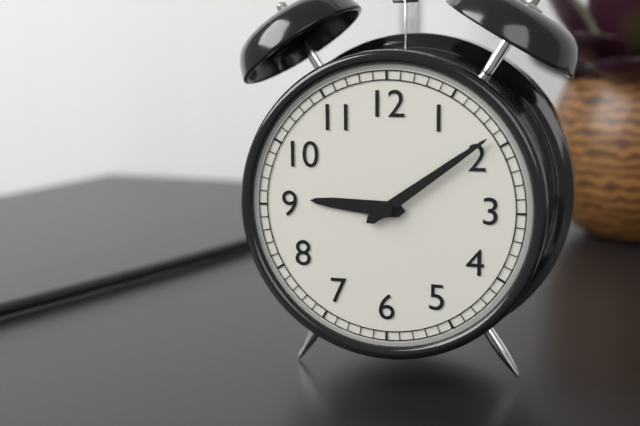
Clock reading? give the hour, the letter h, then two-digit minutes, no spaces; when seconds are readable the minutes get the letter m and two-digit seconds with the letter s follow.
9h09
